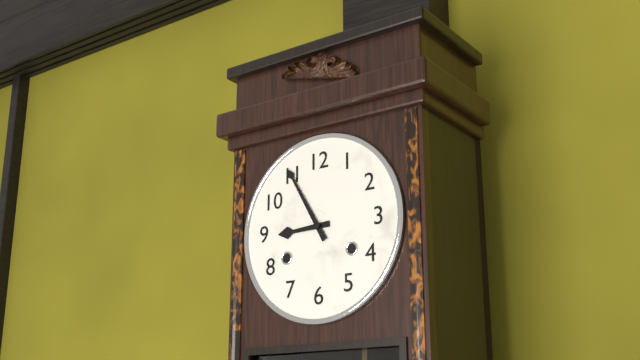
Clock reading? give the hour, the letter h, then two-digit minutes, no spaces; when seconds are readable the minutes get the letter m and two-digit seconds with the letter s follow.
8h55
